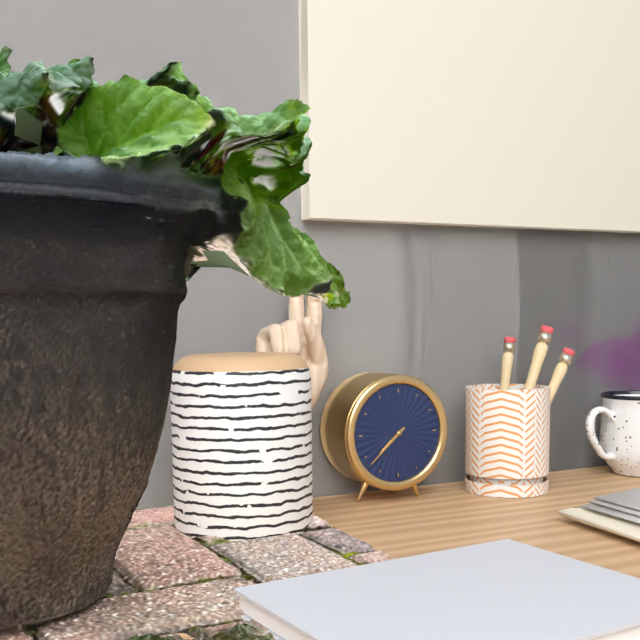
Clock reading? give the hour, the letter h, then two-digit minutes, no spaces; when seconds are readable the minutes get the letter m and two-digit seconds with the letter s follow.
7h38
